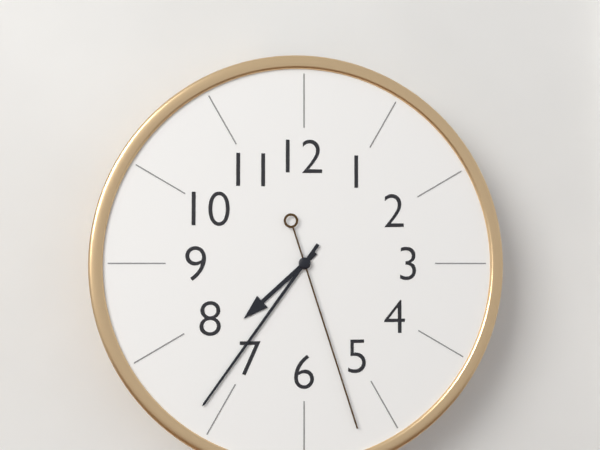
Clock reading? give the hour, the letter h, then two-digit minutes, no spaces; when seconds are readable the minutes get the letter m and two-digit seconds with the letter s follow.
7h36m27s
